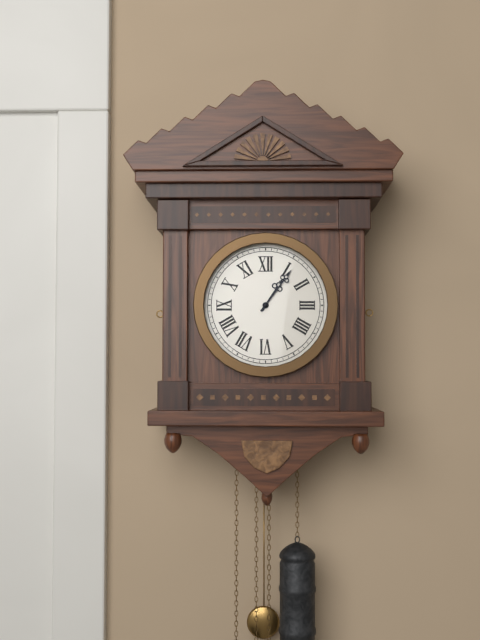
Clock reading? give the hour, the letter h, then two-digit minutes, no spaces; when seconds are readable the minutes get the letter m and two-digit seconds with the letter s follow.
1h06
